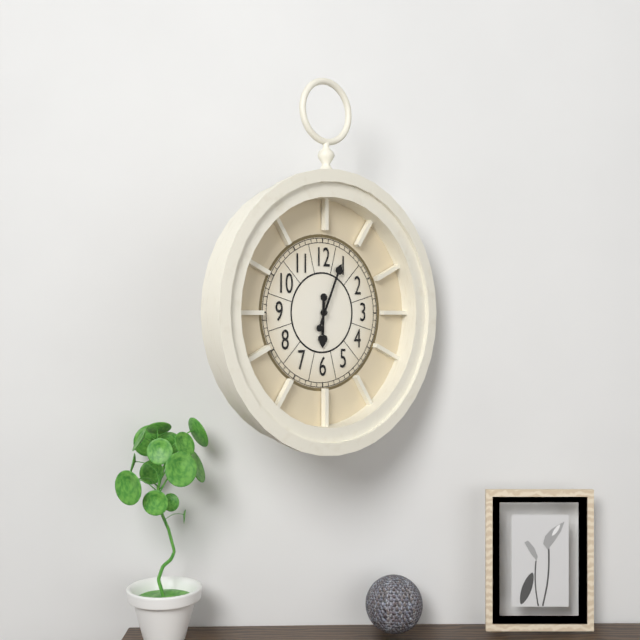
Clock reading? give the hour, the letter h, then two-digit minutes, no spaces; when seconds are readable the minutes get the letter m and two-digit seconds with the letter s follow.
6h04
